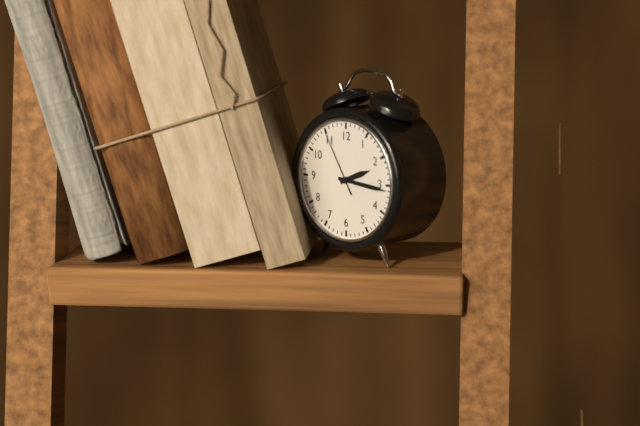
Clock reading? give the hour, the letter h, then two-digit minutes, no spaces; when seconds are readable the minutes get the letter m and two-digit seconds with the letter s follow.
2h16m55s
